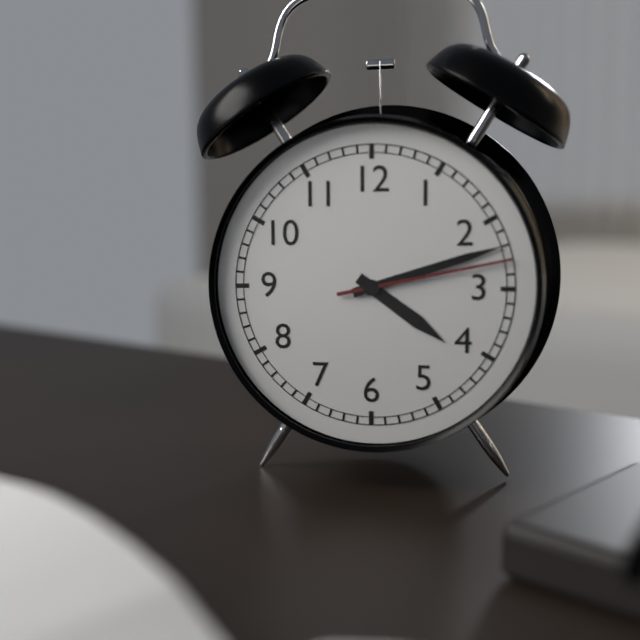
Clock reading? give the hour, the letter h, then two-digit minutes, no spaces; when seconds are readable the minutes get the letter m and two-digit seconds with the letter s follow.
4h12m13s
